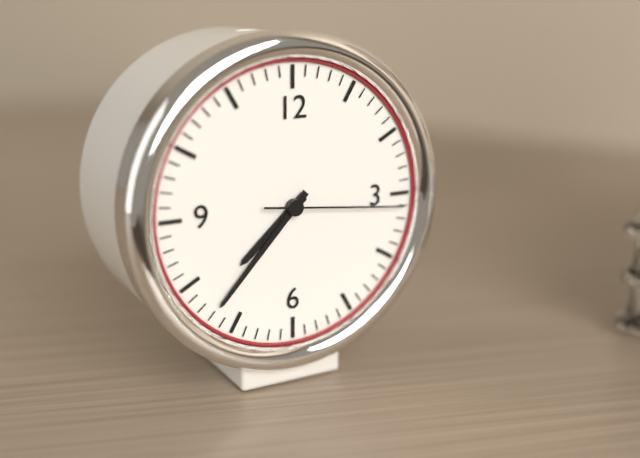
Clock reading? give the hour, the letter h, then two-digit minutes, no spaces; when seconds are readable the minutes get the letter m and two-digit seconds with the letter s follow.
7h37m16s
